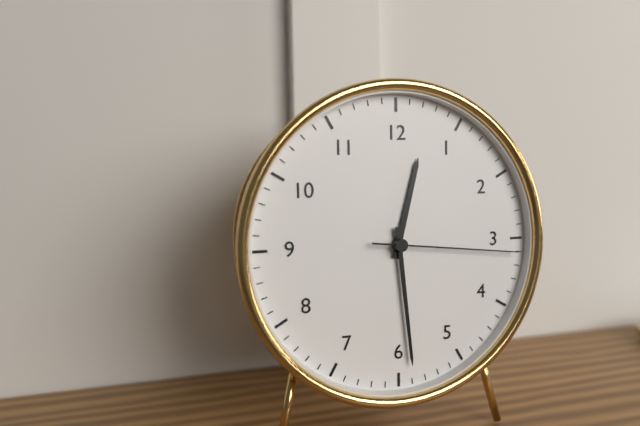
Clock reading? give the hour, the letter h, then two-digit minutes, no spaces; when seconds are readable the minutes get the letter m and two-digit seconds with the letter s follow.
12h29m16s
